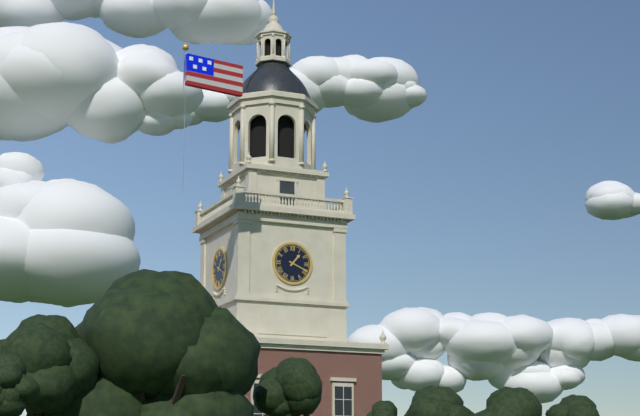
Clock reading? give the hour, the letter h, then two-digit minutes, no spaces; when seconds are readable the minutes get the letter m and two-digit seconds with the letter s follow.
1h19
